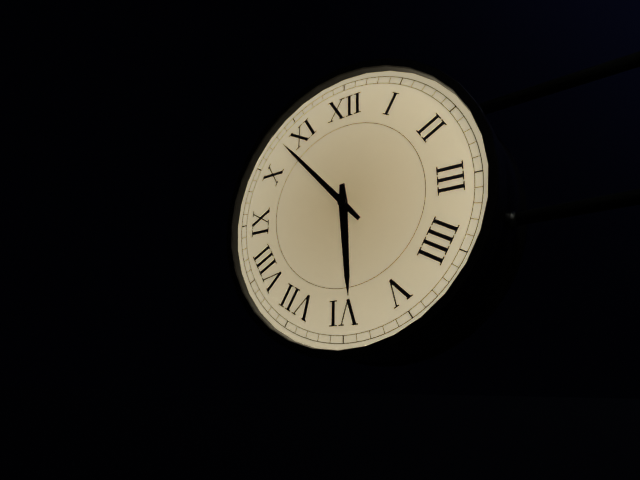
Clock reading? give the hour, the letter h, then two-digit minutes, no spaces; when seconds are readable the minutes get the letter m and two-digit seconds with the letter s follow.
5h53
